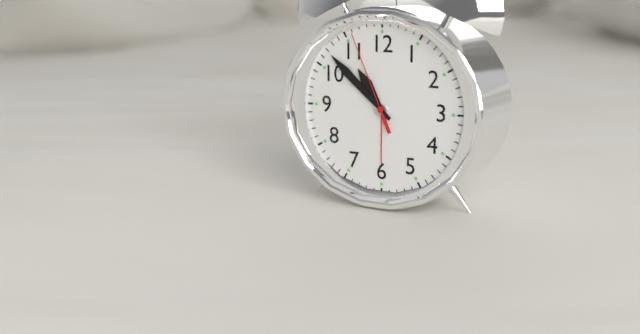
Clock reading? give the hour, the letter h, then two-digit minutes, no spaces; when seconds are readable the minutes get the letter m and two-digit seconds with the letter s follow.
10h52m56s
